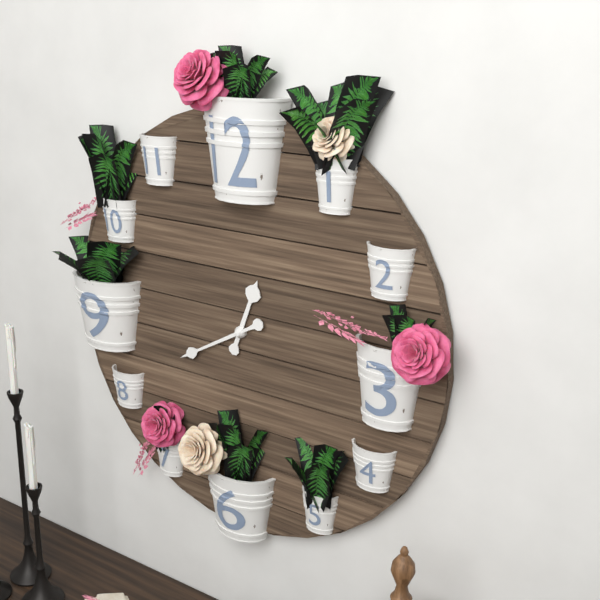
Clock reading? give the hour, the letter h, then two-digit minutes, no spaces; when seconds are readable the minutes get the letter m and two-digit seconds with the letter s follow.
12h40
